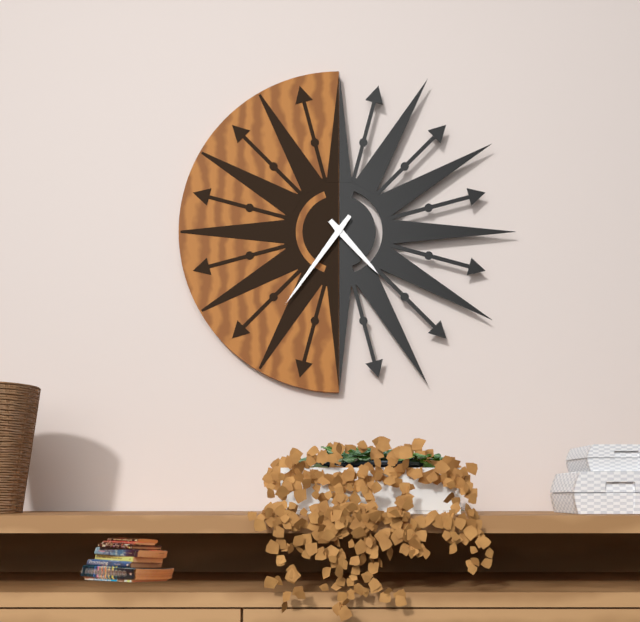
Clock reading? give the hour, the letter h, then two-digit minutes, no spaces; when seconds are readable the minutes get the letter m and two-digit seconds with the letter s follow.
4h36
